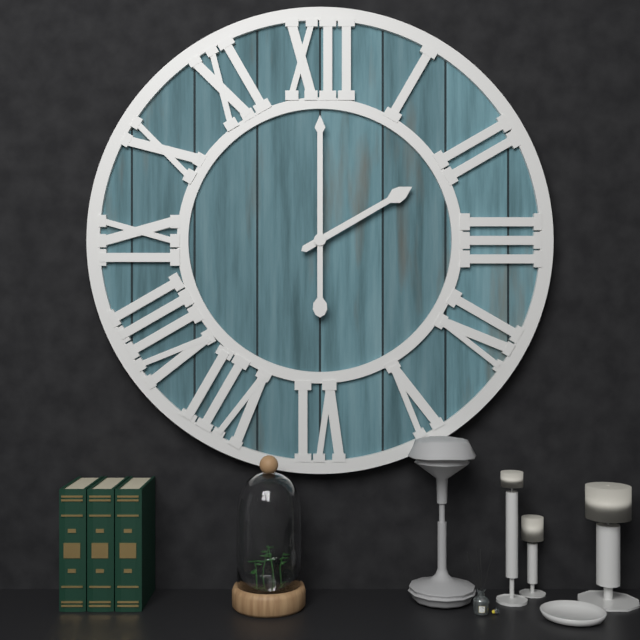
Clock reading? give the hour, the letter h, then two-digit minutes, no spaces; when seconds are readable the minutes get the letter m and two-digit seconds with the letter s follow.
2h00
